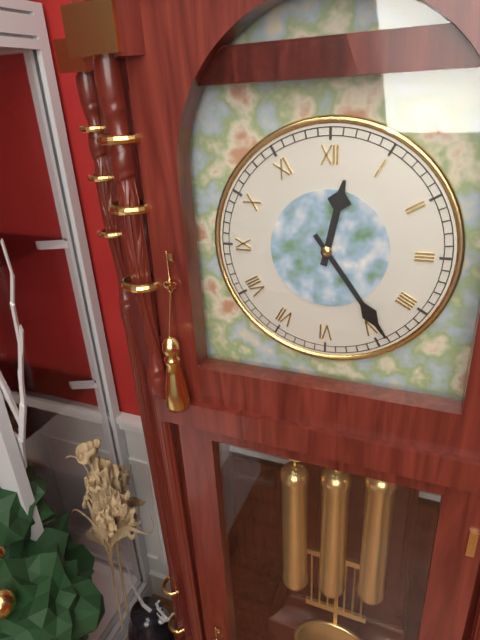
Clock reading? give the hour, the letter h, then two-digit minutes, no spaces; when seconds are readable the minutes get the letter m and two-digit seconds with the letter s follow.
12h24
